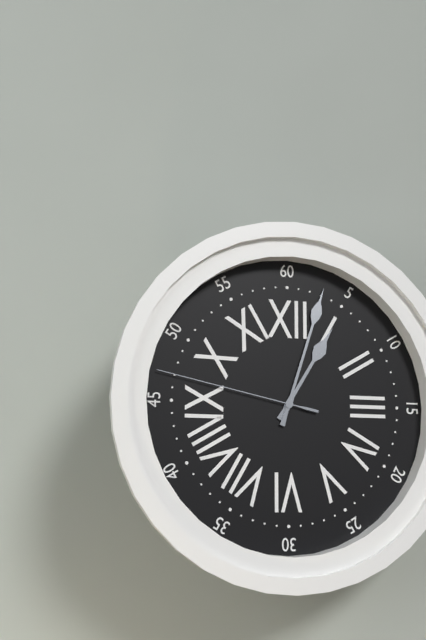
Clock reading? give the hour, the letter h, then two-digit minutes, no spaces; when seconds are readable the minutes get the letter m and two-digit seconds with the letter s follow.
1h03m47s
